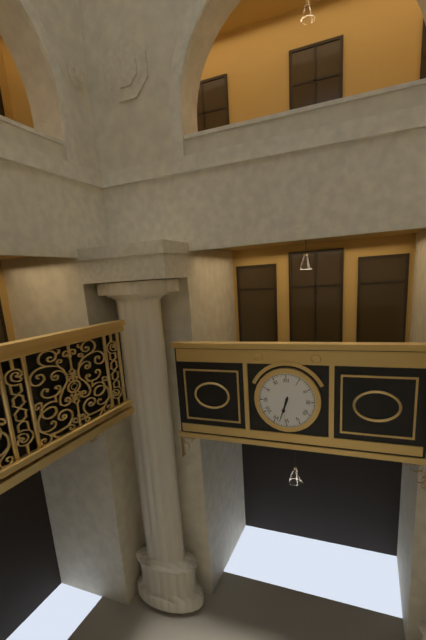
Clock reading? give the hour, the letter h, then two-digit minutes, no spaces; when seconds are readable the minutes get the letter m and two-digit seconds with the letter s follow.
6h33
